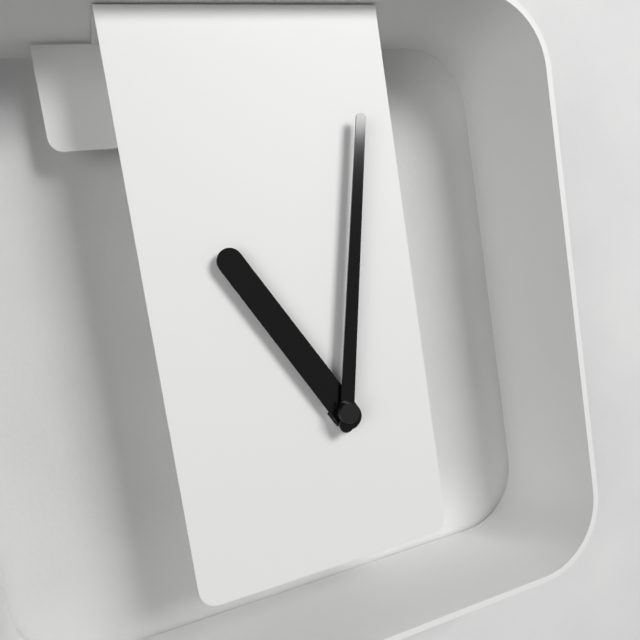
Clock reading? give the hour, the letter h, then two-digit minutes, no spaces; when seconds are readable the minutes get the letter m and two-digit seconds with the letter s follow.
11h02
